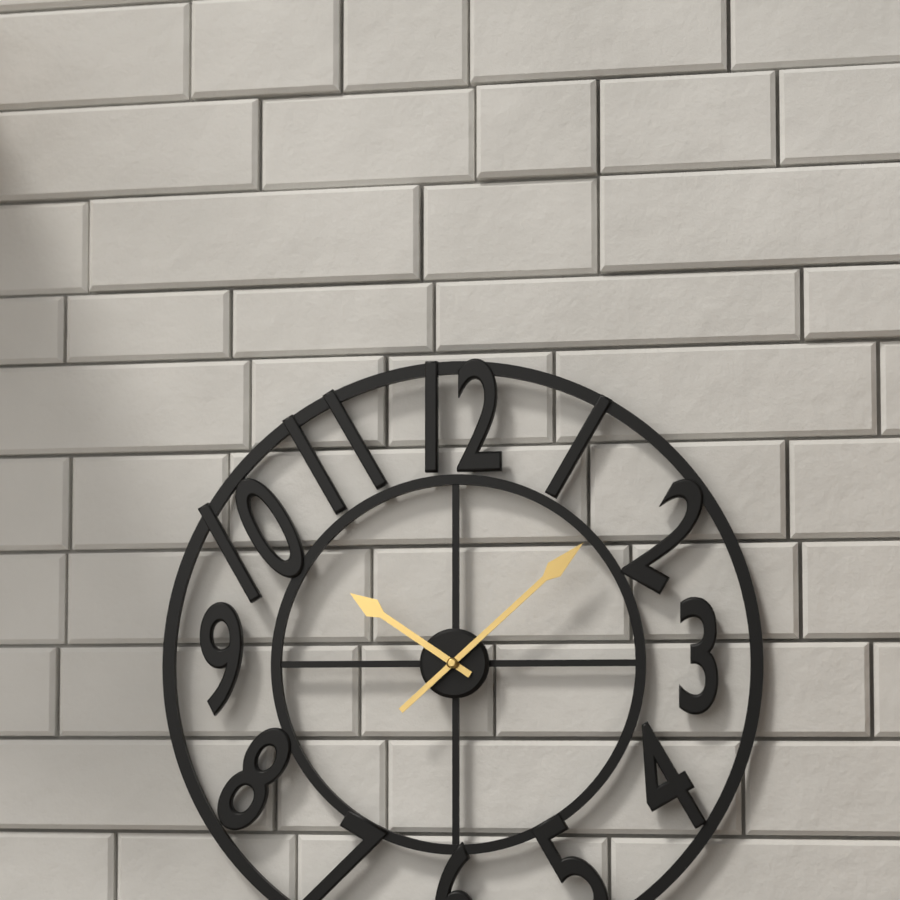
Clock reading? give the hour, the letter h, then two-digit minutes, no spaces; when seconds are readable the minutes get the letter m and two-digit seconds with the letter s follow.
10h08
